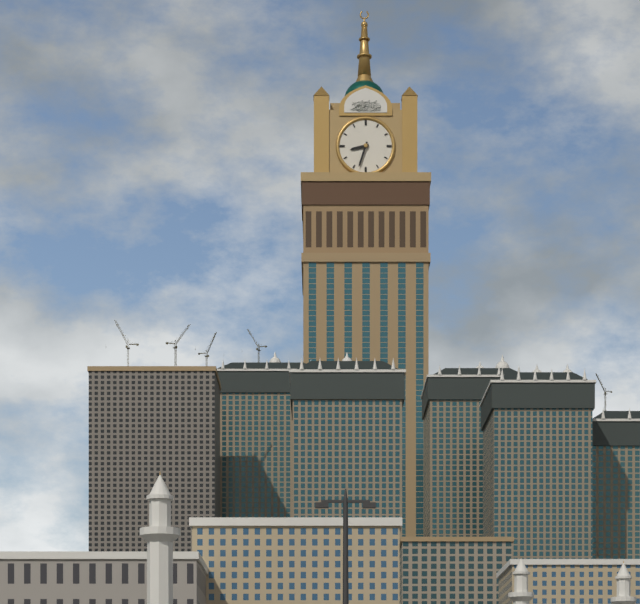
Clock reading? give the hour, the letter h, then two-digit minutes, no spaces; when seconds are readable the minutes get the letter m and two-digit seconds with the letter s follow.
8h33
